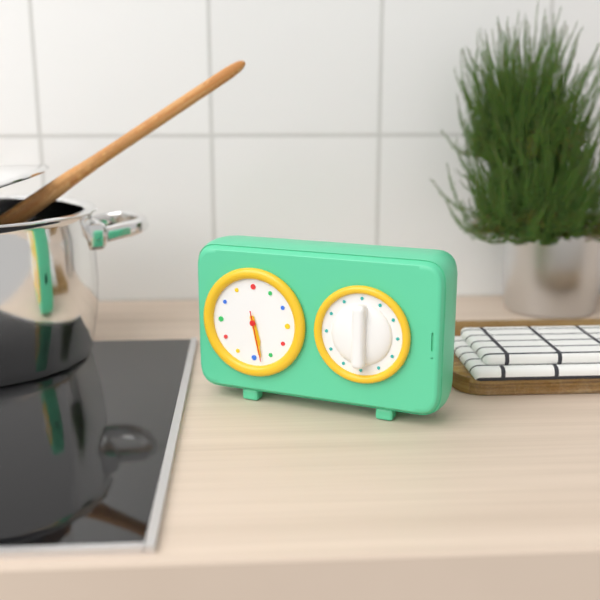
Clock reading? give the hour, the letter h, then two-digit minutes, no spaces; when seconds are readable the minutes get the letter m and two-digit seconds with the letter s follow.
5h28
